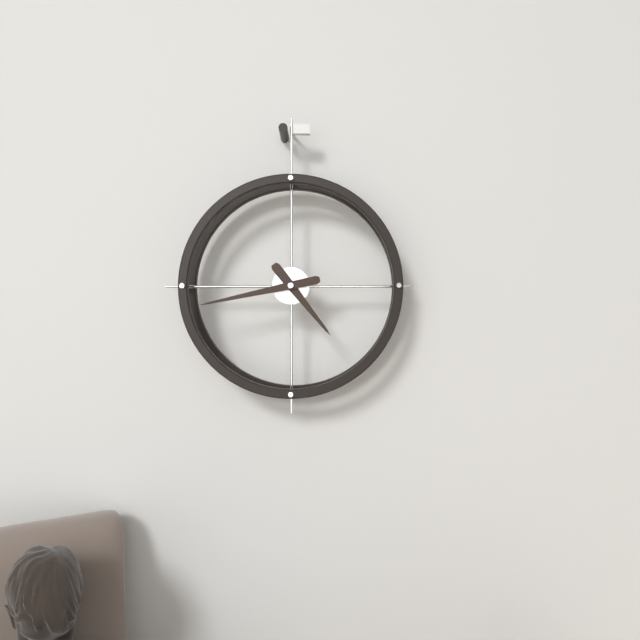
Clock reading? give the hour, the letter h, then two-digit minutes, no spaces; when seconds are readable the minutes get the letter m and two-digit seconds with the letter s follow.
4h43
